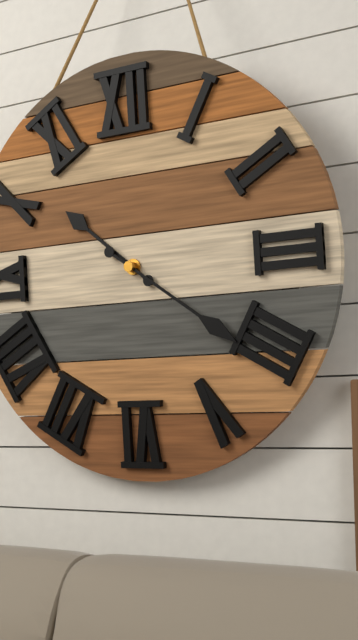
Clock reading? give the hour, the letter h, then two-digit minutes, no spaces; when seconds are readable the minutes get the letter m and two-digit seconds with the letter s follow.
10h21
